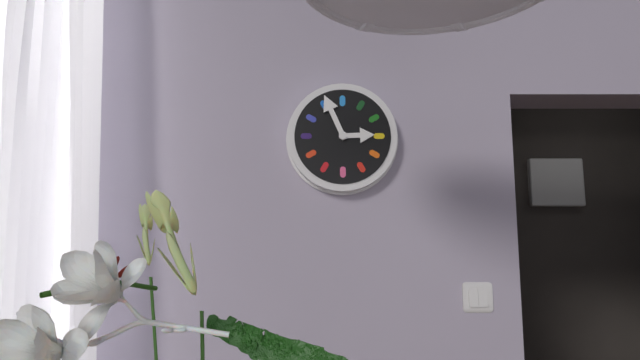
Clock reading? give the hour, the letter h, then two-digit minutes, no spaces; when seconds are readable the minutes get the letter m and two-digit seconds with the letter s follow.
2h56
